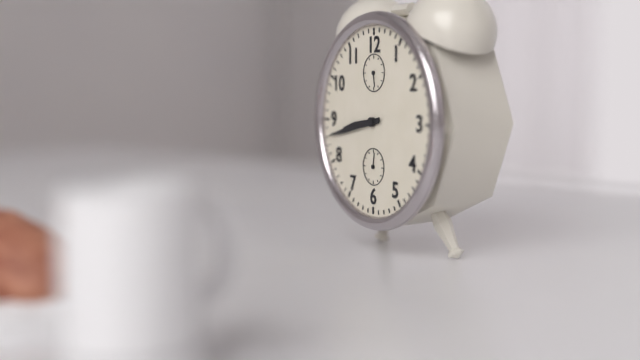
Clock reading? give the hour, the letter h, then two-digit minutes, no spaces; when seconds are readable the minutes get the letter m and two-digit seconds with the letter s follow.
8h43
